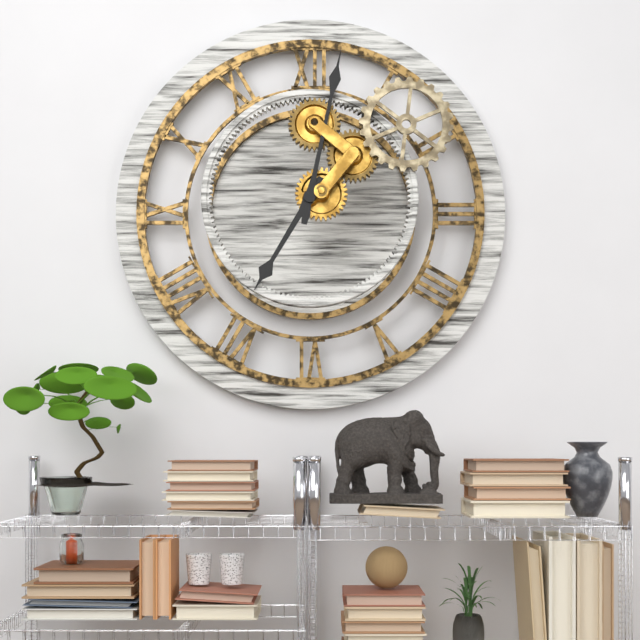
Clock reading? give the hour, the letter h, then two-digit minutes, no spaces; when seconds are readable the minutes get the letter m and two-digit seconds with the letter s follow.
7h02
